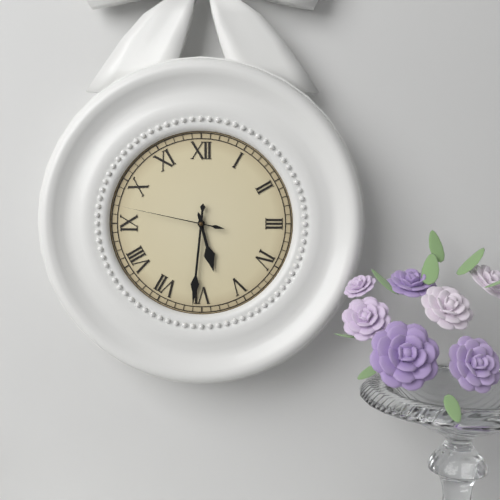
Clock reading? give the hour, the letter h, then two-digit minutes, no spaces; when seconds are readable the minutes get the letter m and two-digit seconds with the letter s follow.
5h31m47s
